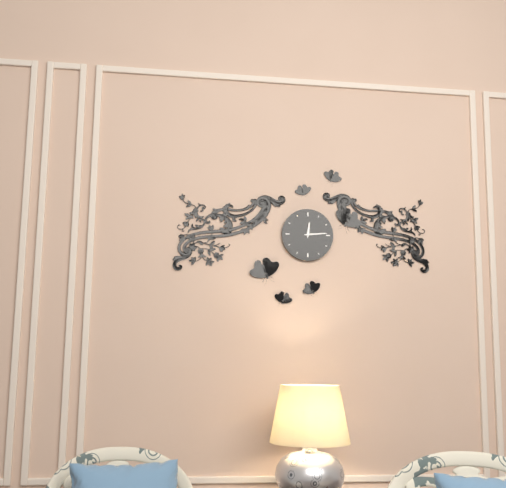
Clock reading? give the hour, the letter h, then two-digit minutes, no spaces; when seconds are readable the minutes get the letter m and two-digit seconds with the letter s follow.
12h14
